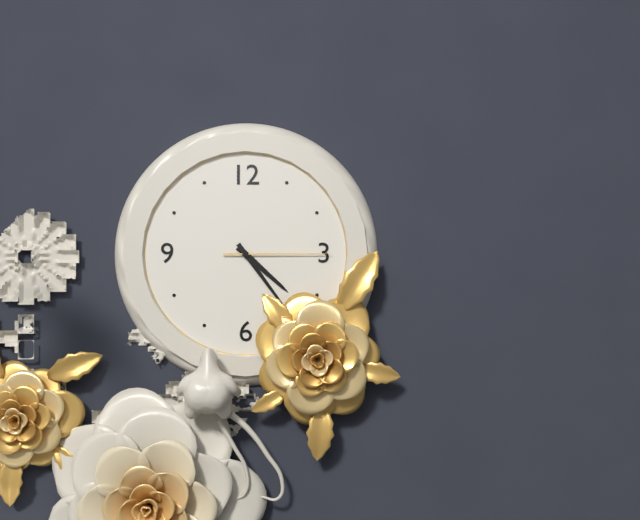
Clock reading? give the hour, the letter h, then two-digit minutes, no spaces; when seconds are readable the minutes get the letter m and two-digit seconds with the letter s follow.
4h24m15s
